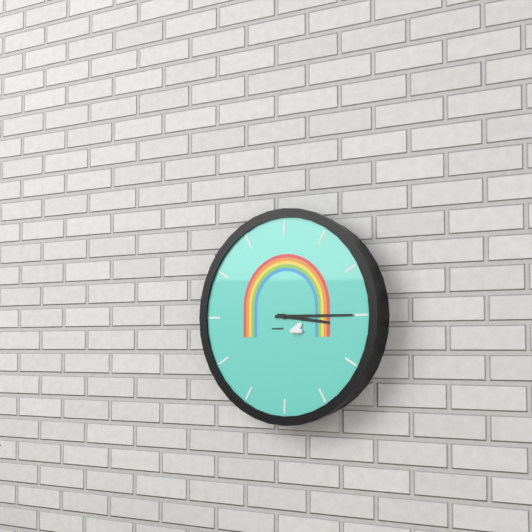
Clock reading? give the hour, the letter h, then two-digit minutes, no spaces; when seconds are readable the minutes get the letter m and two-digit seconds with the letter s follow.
3h15
